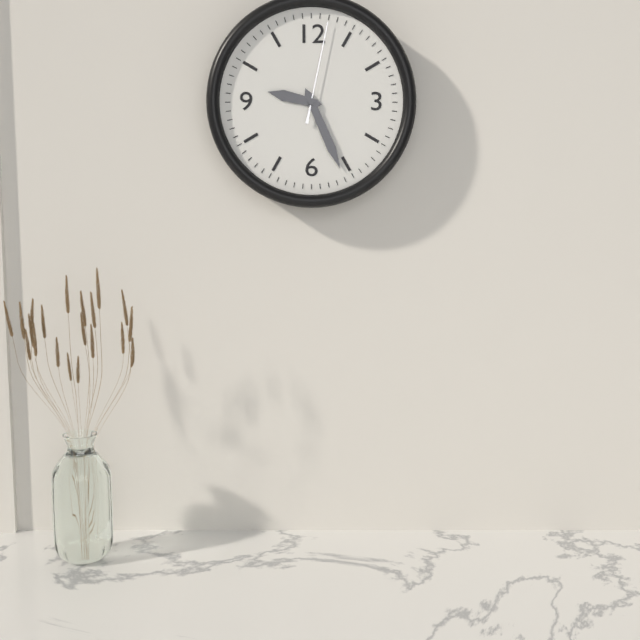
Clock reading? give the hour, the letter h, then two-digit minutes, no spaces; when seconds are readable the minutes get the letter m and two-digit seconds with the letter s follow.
9h26m02s
